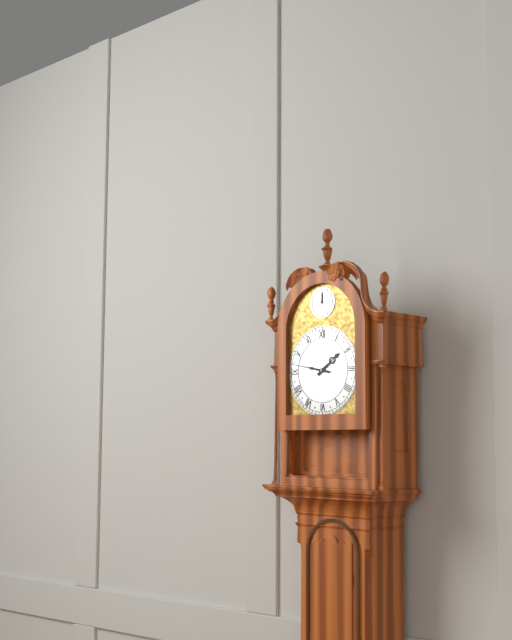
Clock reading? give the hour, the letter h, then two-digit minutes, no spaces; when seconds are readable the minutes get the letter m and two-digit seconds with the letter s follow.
1h47
